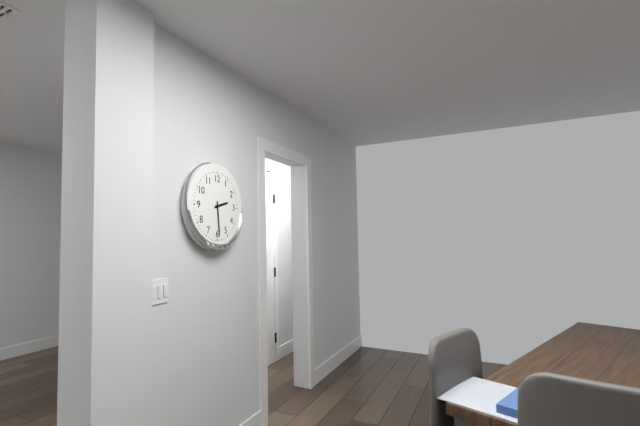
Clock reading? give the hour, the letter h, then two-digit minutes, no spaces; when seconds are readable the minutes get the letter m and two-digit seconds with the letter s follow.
2h29
